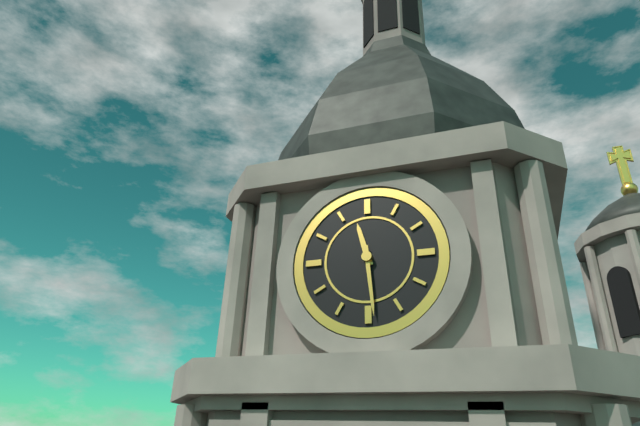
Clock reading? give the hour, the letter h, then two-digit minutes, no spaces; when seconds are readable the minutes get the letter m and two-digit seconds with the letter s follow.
11h29
